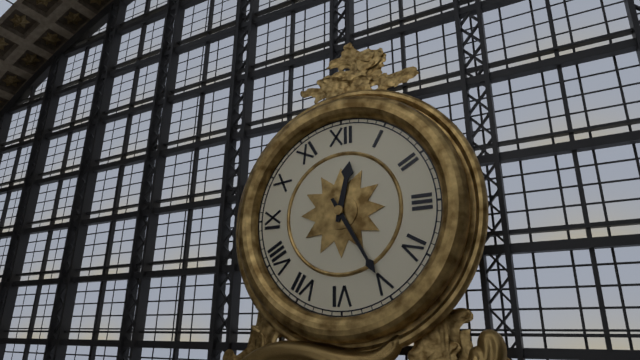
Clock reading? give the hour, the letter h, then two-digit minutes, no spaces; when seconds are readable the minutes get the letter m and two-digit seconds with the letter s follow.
12h25
